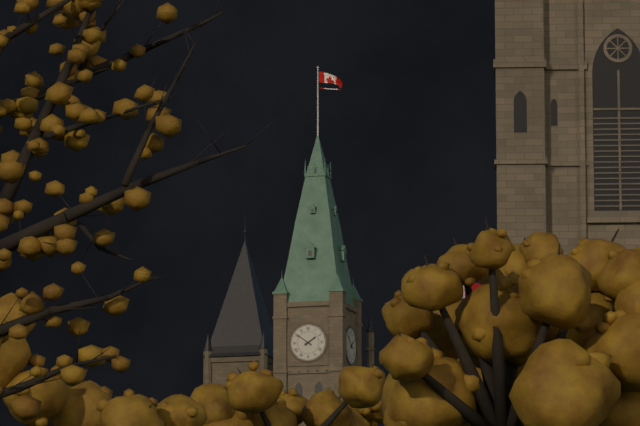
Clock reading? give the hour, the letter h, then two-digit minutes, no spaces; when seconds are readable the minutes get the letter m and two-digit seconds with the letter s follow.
1h51
